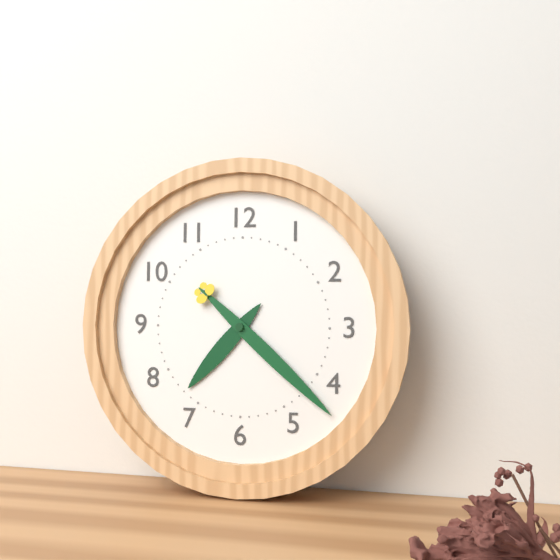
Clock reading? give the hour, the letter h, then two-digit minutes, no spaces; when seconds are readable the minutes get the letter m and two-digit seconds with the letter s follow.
7h22
